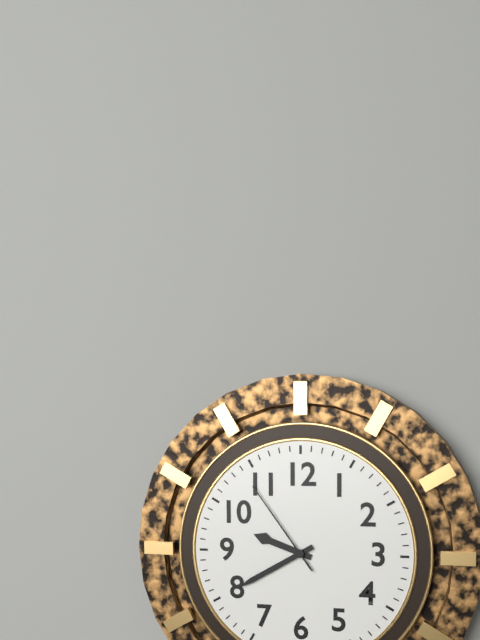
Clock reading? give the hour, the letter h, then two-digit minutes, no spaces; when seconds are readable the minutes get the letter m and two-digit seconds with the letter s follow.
9h40m54s
